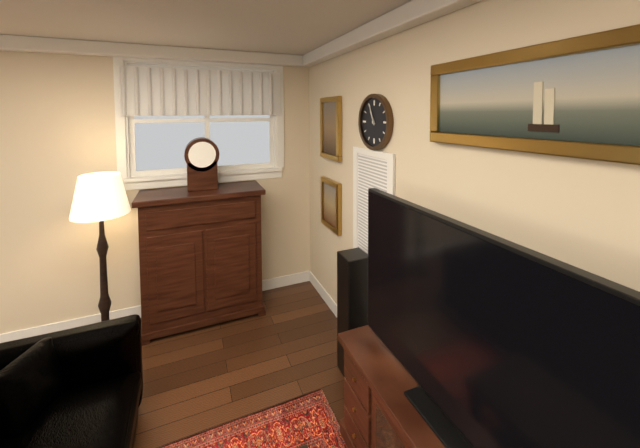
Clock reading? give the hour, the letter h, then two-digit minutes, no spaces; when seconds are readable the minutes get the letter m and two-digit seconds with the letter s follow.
10h56
